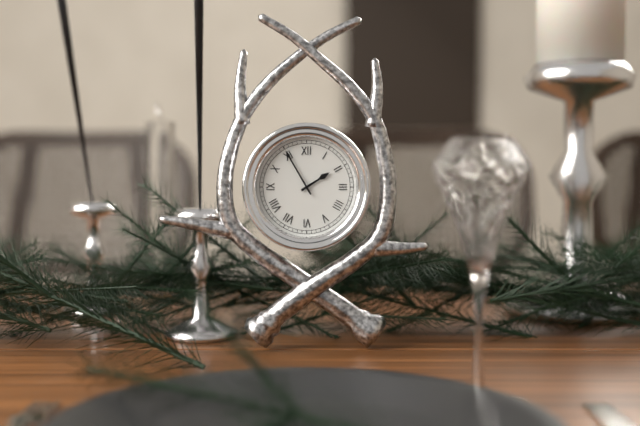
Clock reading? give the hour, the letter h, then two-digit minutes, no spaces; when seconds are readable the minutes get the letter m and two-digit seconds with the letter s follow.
1h55
